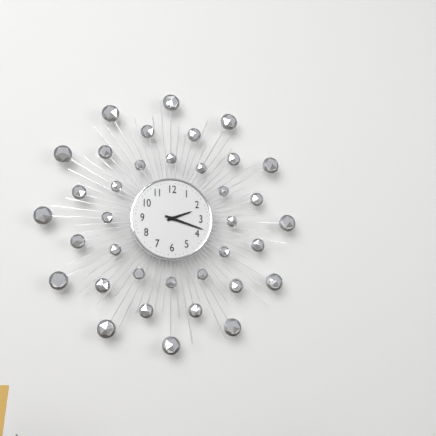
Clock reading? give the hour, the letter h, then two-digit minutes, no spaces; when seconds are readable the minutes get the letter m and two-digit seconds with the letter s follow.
2h18
